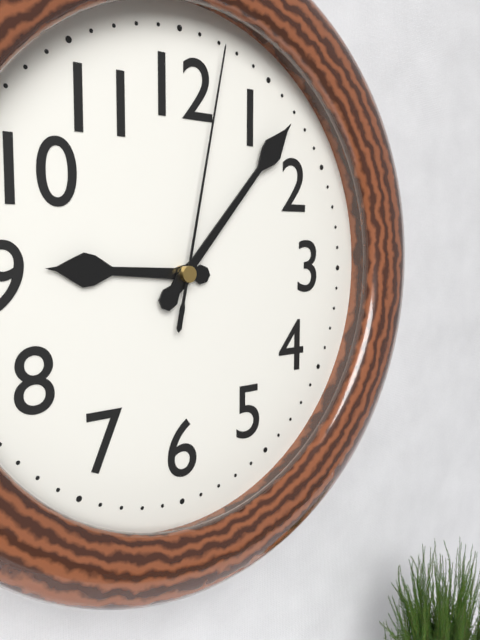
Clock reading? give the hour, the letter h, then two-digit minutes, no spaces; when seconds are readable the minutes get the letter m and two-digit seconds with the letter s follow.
9h07m02s
